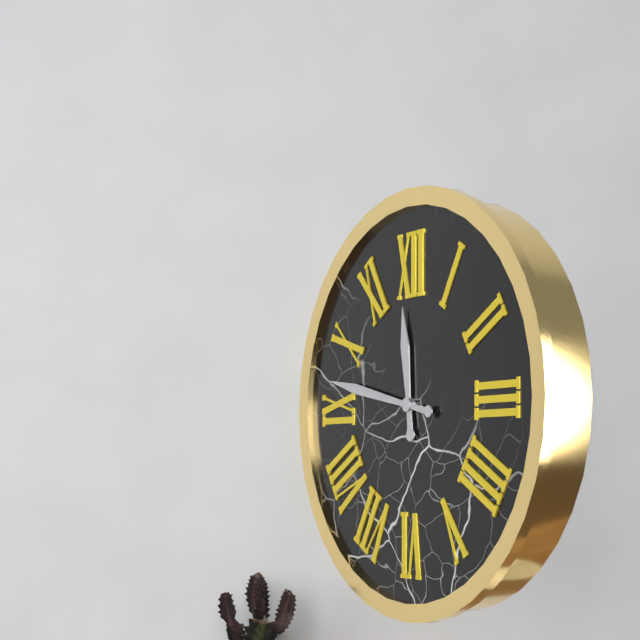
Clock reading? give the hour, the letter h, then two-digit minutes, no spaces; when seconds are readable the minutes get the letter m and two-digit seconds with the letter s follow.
11h47
